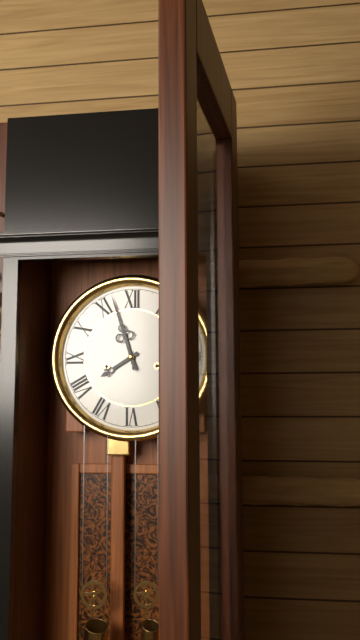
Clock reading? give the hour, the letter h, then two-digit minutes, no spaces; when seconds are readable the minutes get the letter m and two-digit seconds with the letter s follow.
7h57
